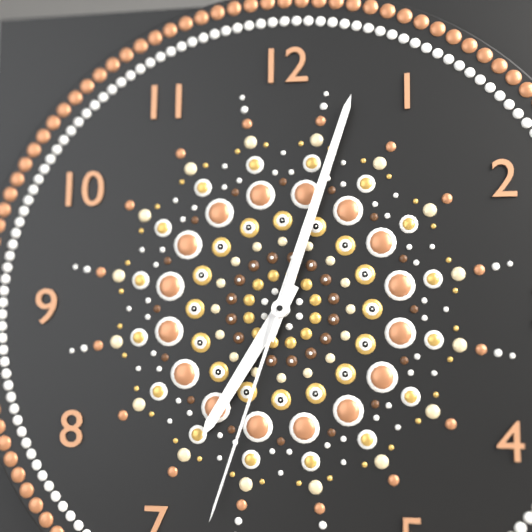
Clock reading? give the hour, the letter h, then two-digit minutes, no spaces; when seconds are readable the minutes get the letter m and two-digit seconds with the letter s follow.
7h03m33s
